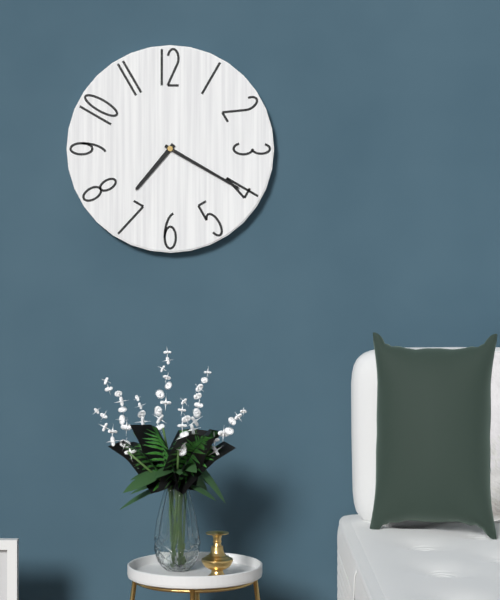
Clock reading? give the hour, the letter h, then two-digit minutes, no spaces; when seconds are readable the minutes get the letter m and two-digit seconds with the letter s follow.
7h20
